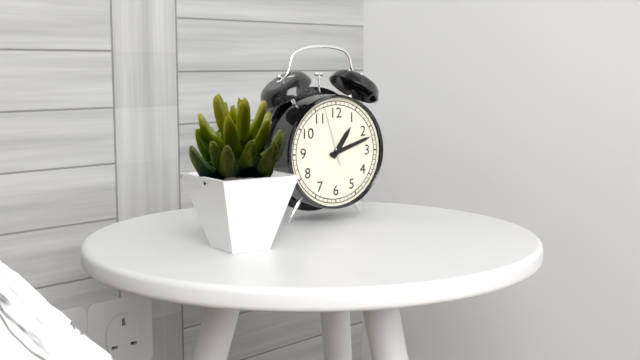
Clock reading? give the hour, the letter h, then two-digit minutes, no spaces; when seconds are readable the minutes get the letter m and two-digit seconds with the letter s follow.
1h12m57s
